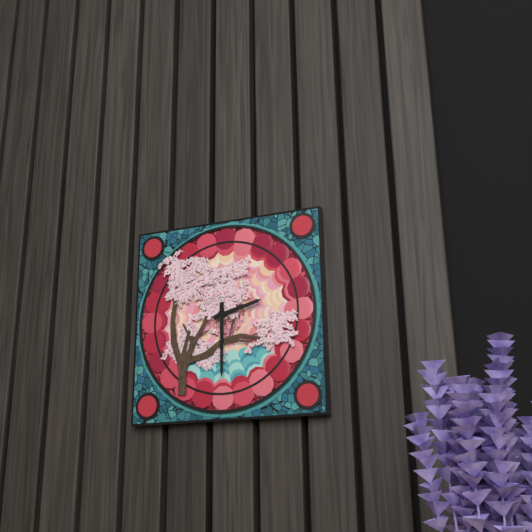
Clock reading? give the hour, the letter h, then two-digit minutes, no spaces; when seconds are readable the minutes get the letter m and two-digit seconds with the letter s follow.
2h30
